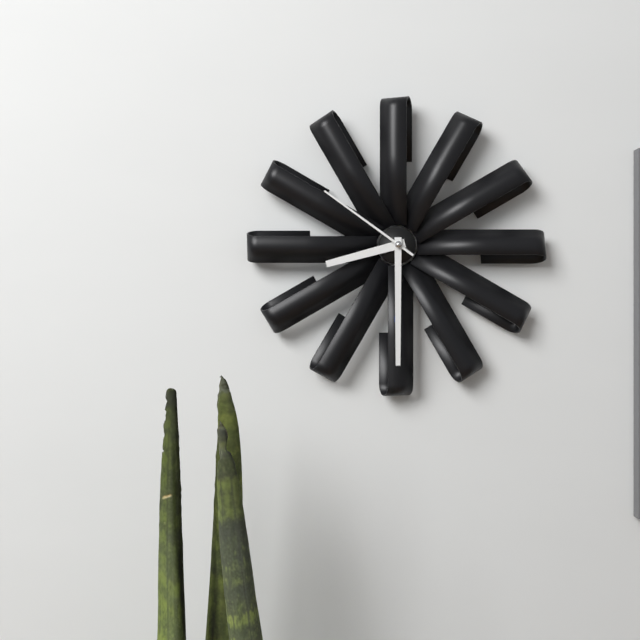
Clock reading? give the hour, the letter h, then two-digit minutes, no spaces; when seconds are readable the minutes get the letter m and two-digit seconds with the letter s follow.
8h30m51s
